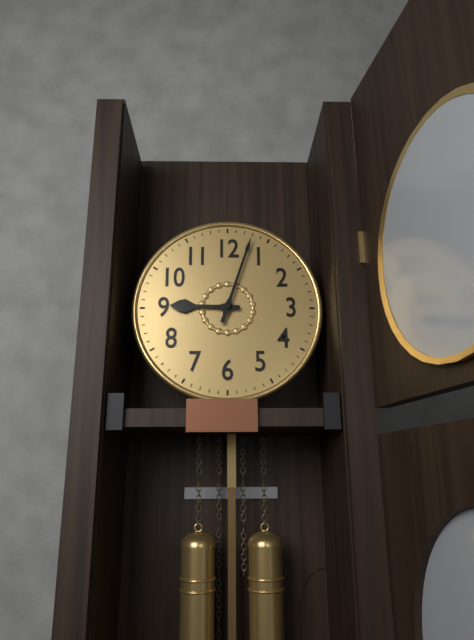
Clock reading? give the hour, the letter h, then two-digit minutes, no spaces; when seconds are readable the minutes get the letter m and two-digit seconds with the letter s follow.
9h03
